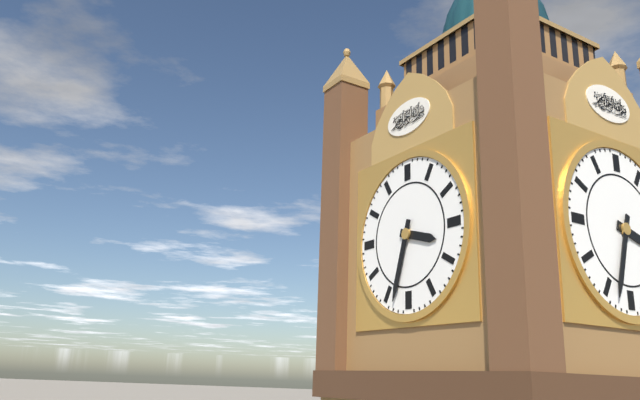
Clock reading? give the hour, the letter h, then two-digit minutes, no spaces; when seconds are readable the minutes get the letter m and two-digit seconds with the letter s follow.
3h33
